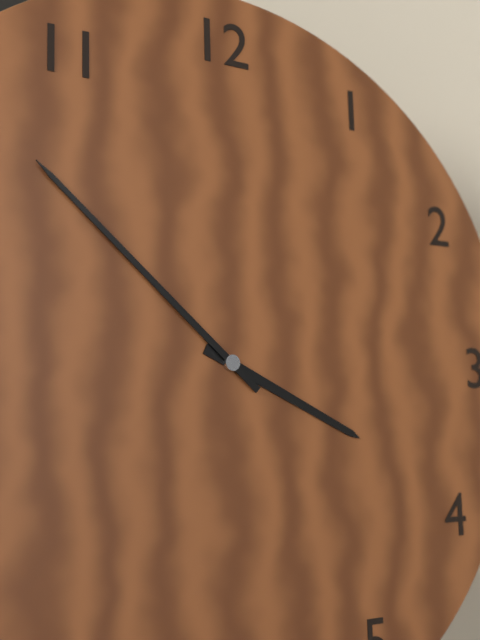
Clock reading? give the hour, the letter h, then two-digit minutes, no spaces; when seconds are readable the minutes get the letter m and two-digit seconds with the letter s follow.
3h52
